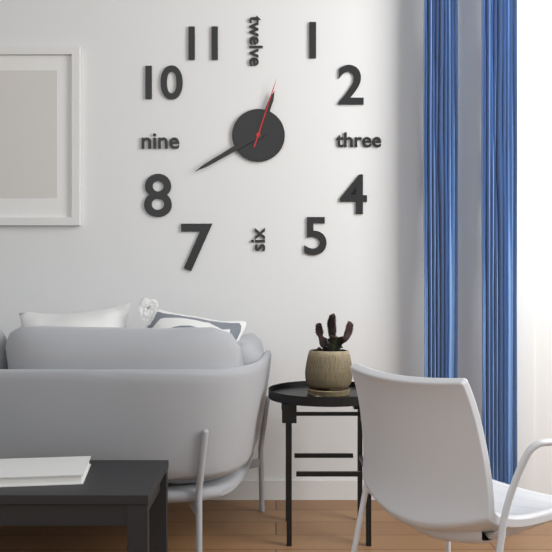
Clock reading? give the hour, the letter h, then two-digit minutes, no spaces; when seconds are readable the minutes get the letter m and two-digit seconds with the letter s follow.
12h40m03s
